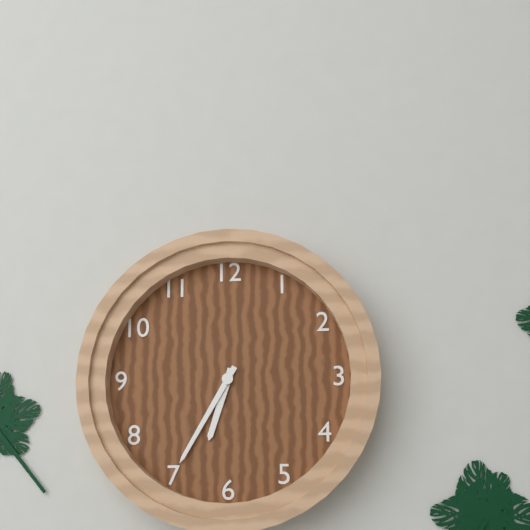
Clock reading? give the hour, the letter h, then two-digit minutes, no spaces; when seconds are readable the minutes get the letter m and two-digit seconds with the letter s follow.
6h35
